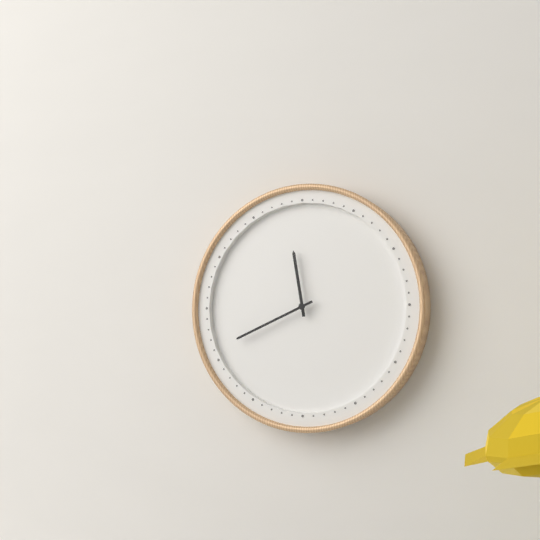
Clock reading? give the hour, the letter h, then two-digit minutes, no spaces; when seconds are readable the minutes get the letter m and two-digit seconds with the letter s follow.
11h41
